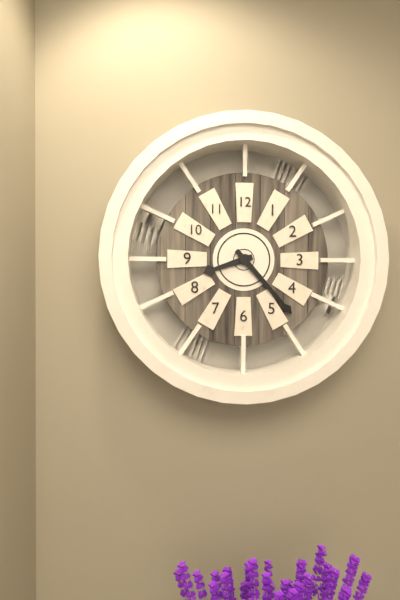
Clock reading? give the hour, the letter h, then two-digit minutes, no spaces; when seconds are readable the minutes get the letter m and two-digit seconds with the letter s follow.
8h23
